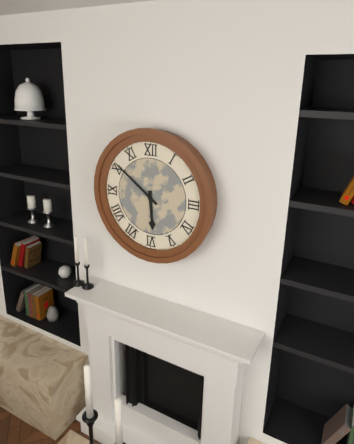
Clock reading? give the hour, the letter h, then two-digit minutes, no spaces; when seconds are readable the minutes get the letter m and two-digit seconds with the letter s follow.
5h51
